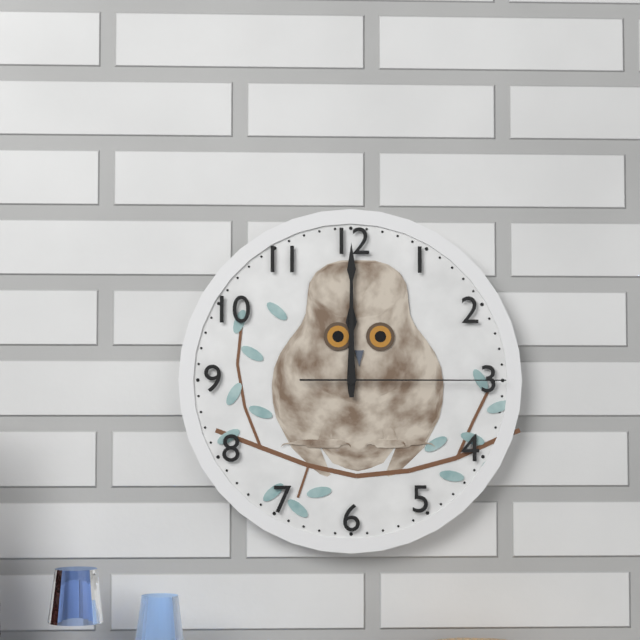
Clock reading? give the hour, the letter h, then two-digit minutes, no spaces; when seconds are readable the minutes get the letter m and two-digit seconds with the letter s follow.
12h00m15s
